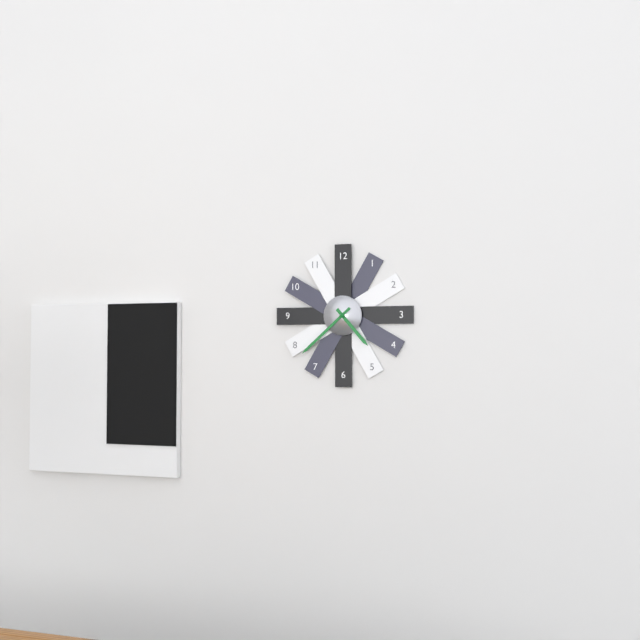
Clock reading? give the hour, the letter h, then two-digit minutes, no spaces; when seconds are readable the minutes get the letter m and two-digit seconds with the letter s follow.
4h38
